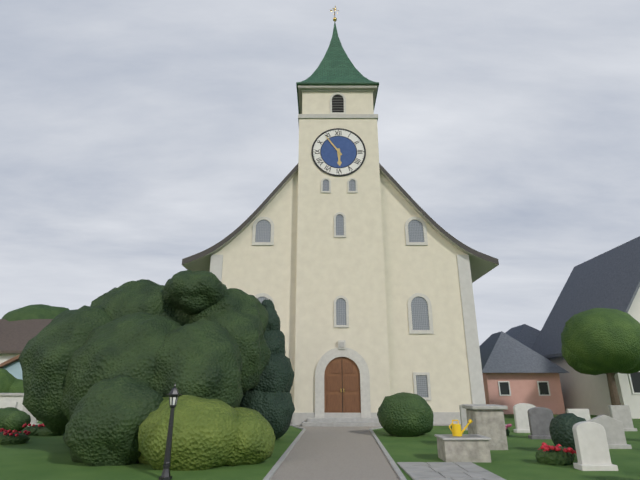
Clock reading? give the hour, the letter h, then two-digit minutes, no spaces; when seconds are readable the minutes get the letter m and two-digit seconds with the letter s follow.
5h54
